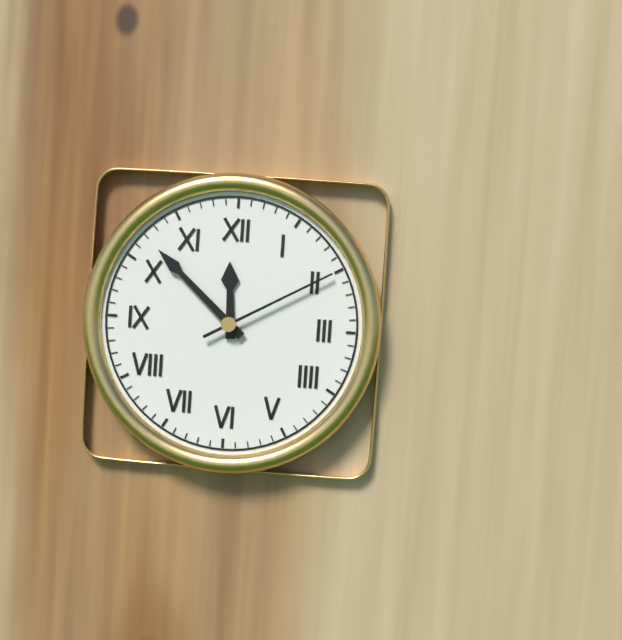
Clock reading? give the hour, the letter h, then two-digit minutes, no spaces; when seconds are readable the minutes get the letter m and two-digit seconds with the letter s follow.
11h52m10s
